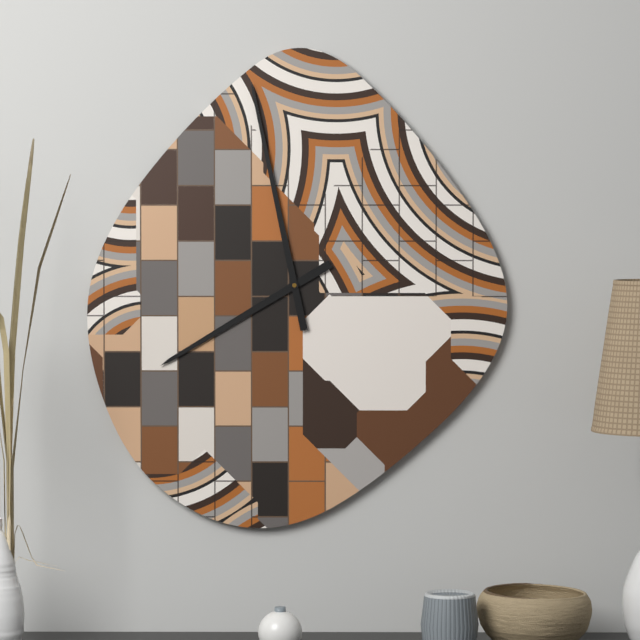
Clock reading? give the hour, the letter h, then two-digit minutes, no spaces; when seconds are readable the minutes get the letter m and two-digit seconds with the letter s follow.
7h58
